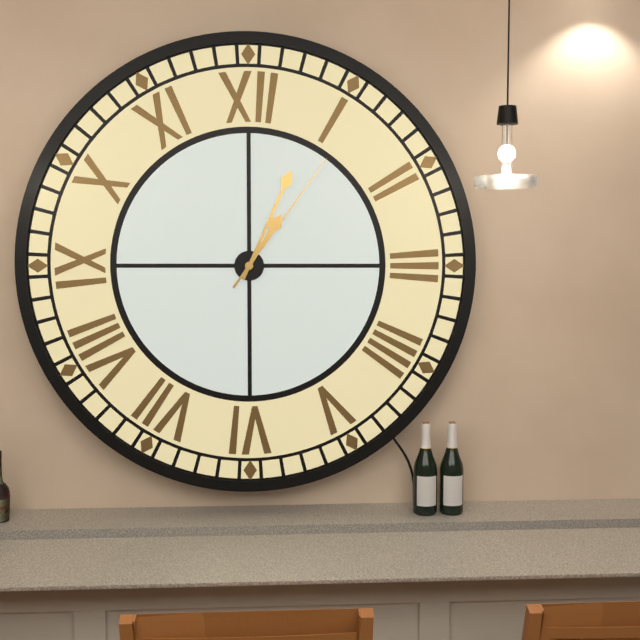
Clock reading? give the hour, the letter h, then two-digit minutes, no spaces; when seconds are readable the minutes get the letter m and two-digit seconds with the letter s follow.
1h04m06s
